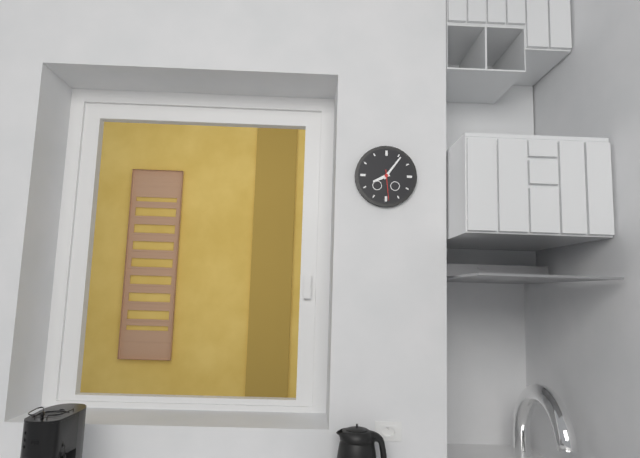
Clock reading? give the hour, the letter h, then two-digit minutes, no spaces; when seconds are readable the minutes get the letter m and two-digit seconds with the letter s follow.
8h06
